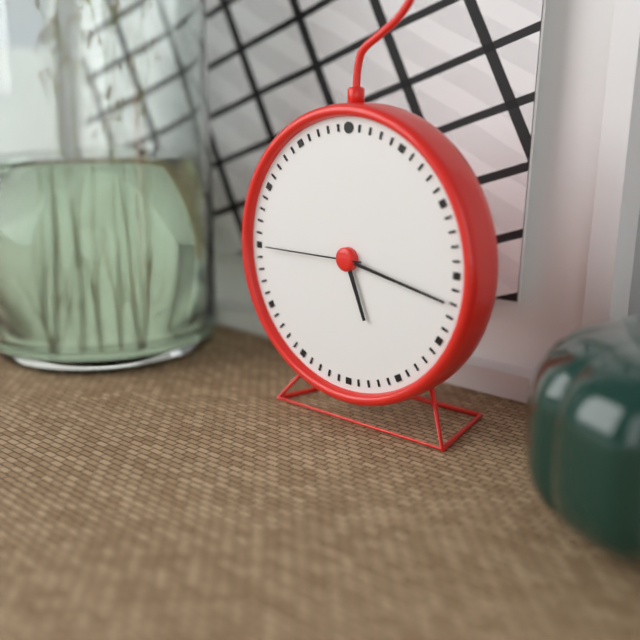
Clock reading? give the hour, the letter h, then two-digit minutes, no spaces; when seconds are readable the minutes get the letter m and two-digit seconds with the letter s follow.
5h17m45s
